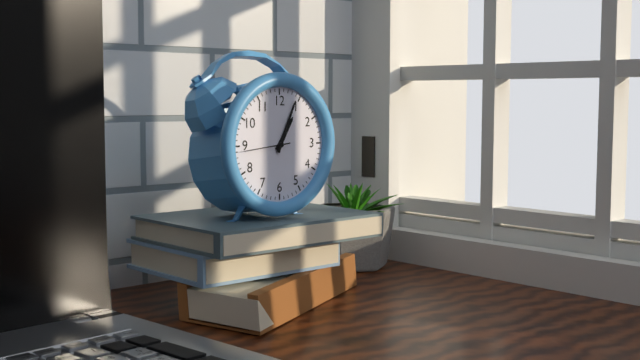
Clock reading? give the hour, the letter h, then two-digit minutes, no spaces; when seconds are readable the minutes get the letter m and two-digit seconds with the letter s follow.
1h04m44s
